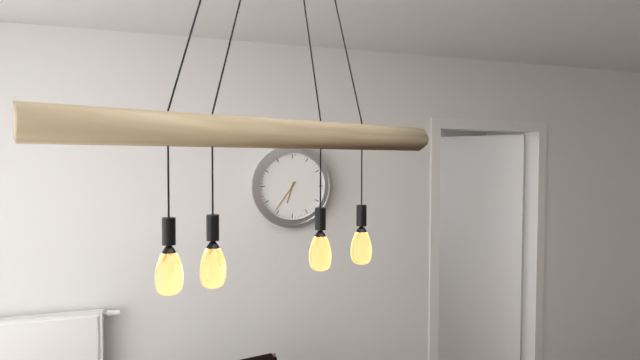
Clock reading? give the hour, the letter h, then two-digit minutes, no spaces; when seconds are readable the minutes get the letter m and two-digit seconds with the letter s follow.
6h36
